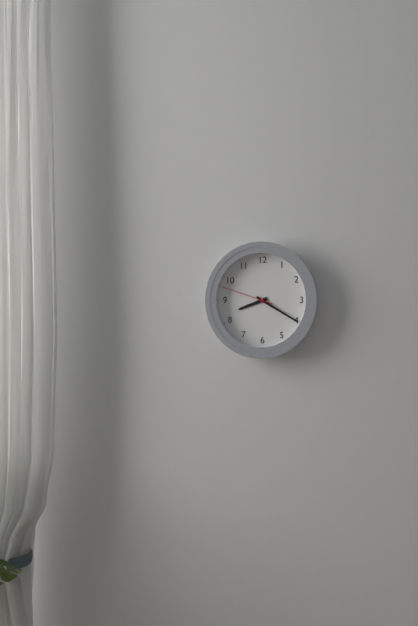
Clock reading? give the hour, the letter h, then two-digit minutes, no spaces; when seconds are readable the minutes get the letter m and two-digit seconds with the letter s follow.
8h20m48s
